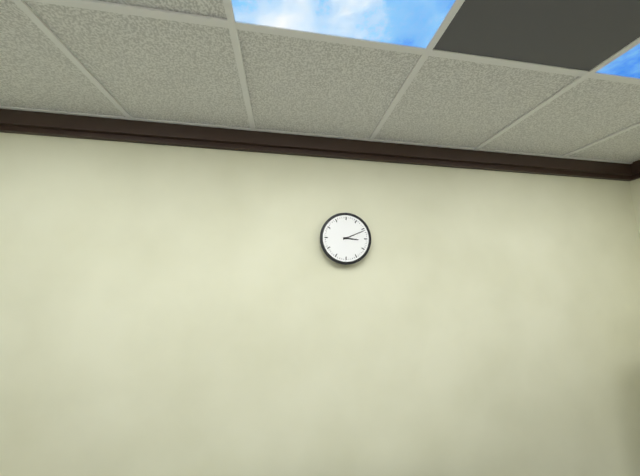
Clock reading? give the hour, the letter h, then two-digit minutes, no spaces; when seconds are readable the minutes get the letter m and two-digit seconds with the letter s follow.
3h11
